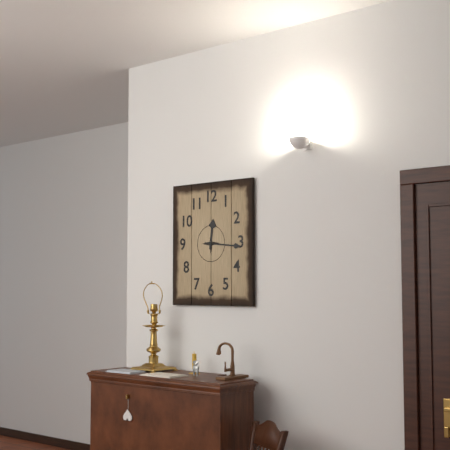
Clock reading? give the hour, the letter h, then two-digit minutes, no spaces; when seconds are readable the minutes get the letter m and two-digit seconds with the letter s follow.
12h16
